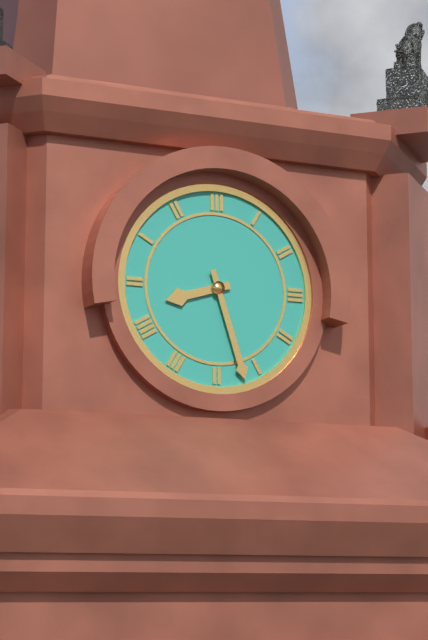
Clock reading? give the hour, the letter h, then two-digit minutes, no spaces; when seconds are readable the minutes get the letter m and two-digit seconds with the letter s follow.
8h27
